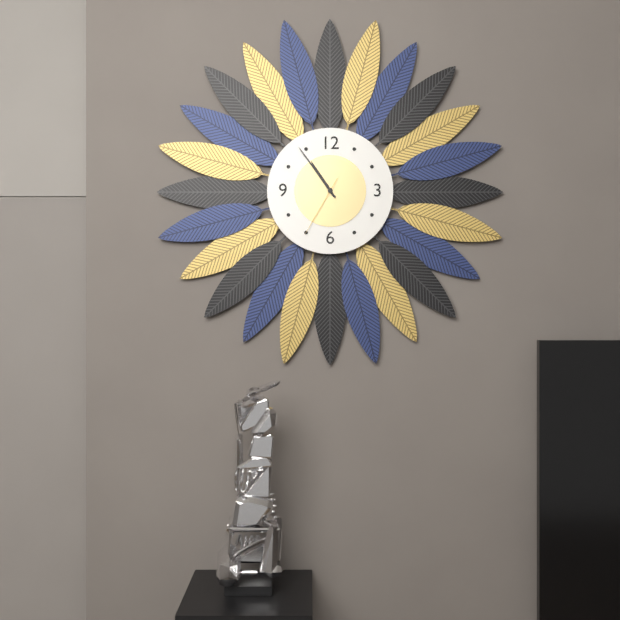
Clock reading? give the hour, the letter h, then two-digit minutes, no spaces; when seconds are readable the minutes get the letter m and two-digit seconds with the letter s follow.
10h54m35s
